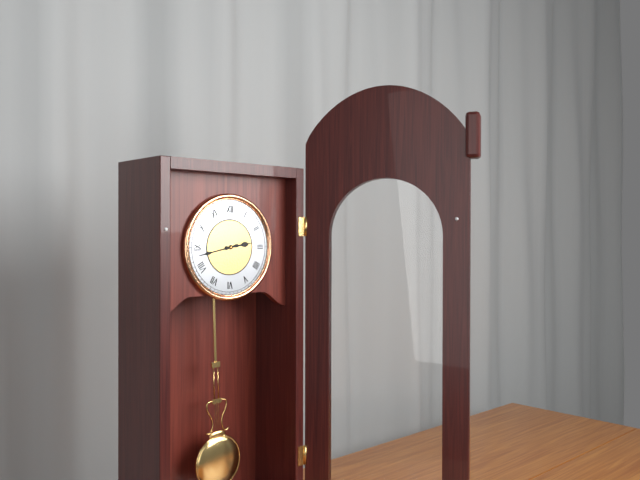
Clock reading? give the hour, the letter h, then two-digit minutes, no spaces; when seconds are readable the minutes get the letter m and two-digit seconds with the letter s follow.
2h43
